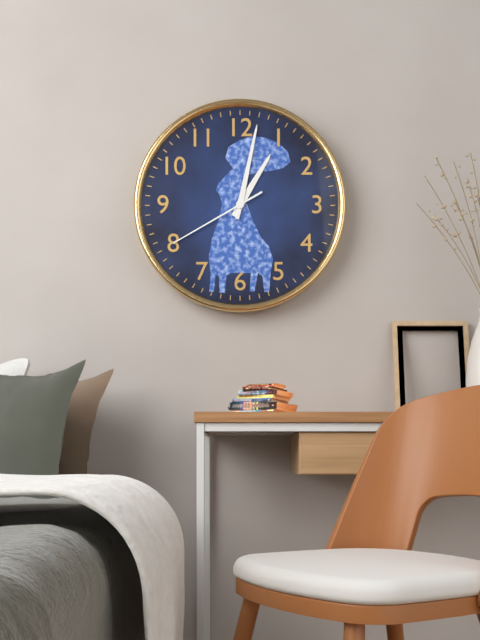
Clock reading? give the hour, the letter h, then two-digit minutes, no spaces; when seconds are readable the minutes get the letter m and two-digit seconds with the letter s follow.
1h02m40s
